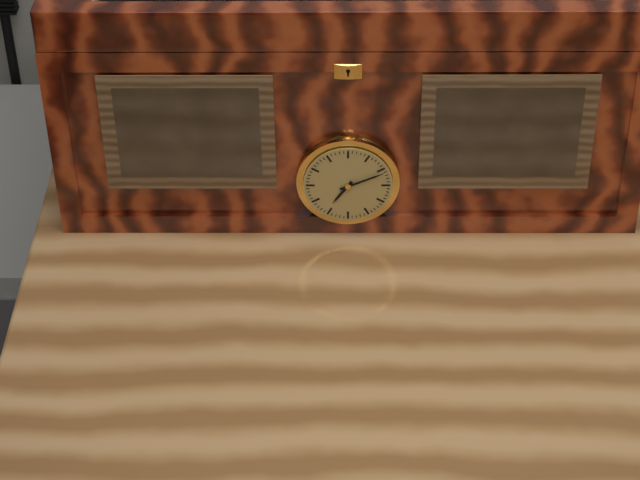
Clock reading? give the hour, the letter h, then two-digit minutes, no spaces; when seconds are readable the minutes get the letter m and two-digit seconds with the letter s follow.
7h11
